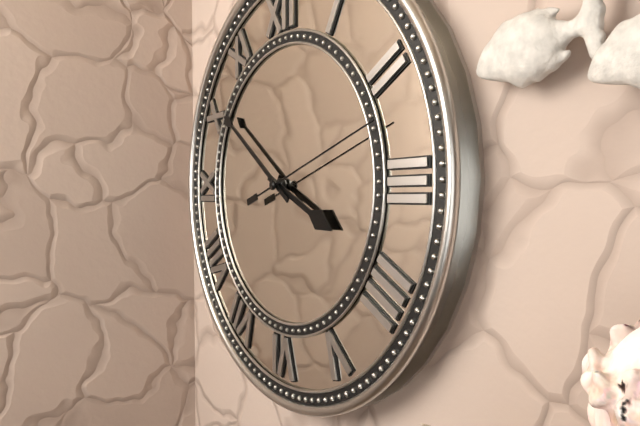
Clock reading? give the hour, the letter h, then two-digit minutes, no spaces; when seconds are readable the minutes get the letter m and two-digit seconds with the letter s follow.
3h51m12s
